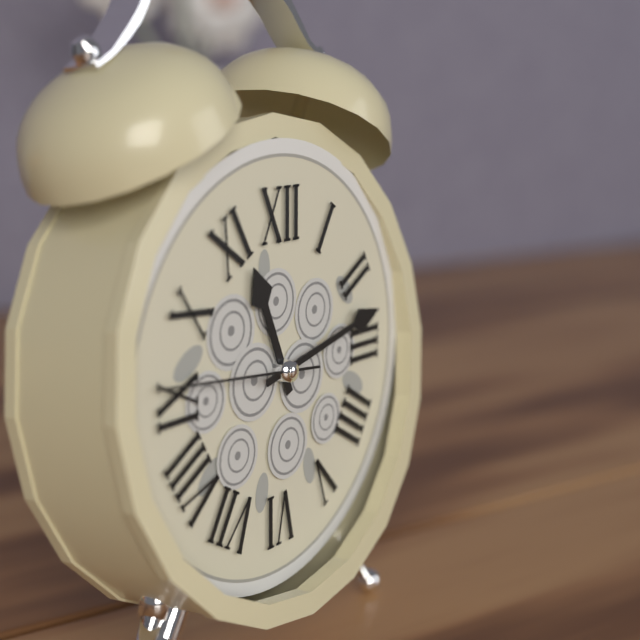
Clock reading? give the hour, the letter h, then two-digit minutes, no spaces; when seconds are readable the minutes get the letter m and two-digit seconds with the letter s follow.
11h13m46s
